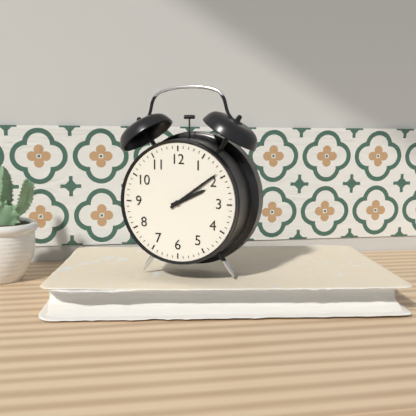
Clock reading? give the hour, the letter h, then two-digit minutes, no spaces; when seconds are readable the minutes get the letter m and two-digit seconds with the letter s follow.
2h09
